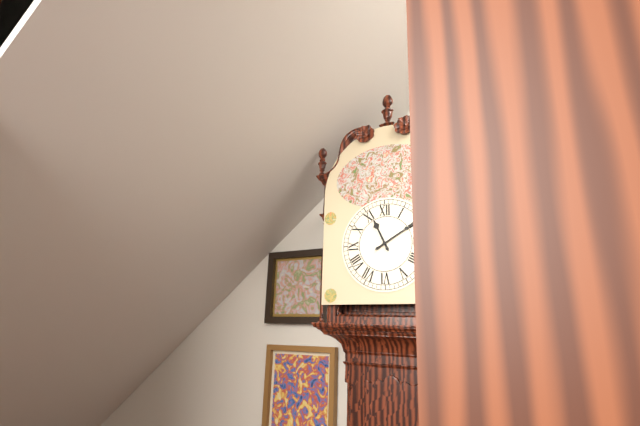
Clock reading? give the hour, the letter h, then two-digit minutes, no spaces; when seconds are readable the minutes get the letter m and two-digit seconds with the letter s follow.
11h10
